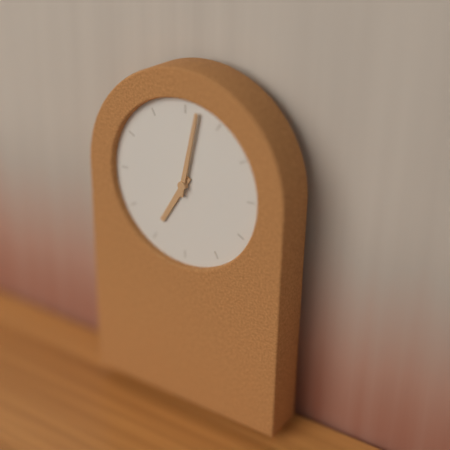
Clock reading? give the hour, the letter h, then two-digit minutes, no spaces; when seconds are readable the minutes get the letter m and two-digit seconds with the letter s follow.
7h02
